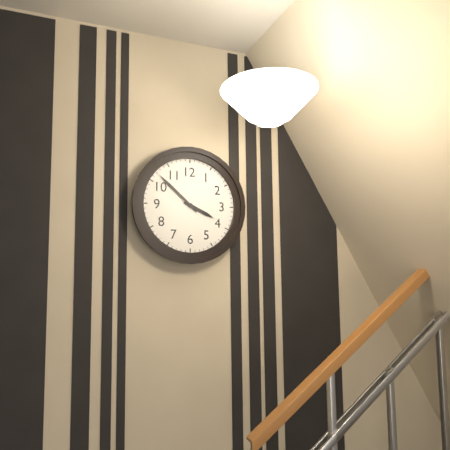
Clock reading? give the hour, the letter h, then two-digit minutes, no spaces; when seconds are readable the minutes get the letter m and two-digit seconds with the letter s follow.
3h52
